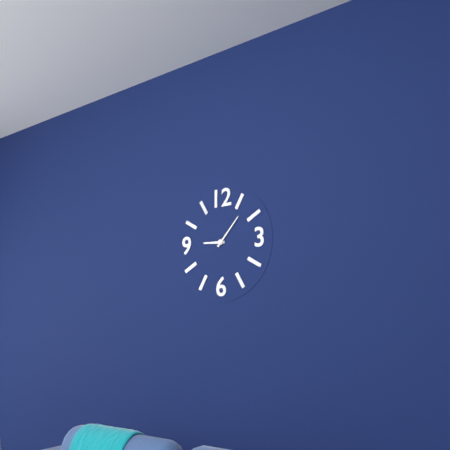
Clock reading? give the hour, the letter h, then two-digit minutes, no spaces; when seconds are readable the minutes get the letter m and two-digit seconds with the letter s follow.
9h07
